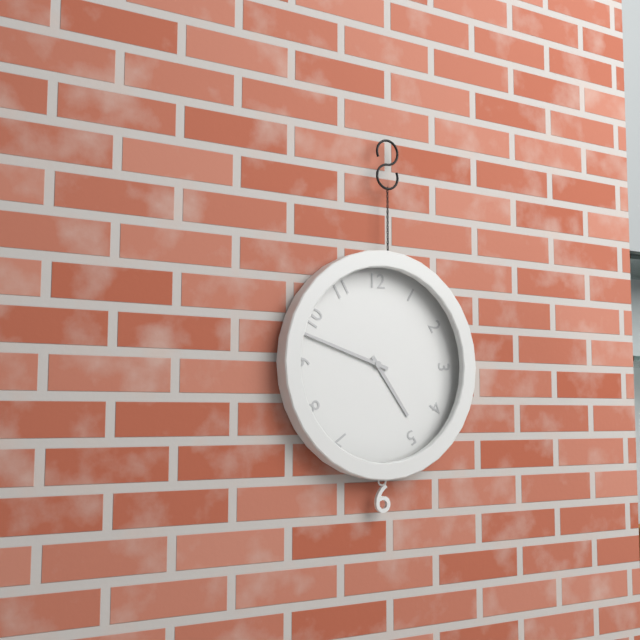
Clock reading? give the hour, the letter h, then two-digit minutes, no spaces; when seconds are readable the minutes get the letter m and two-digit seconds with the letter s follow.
4h48
